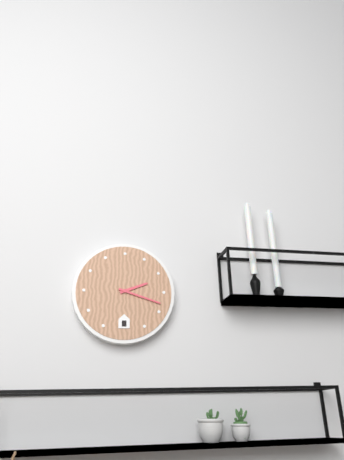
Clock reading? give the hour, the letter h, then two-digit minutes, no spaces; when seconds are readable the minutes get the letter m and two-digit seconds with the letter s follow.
2h18
